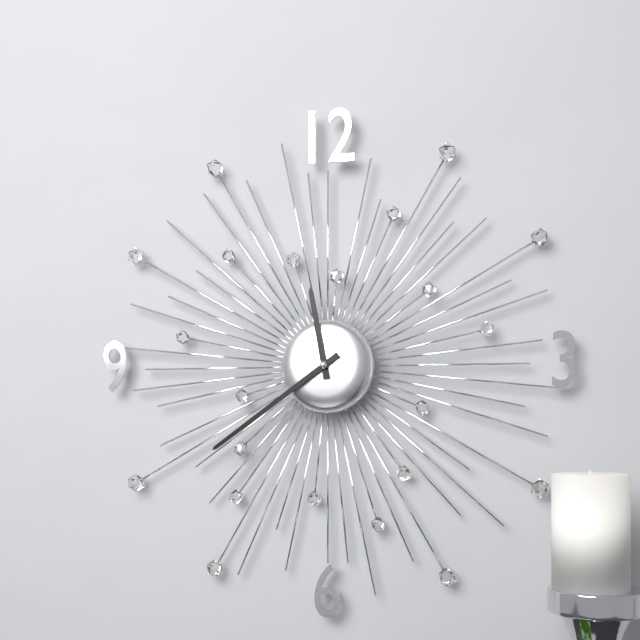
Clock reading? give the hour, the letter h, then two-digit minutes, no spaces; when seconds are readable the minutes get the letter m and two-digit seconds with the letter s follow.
11h39
